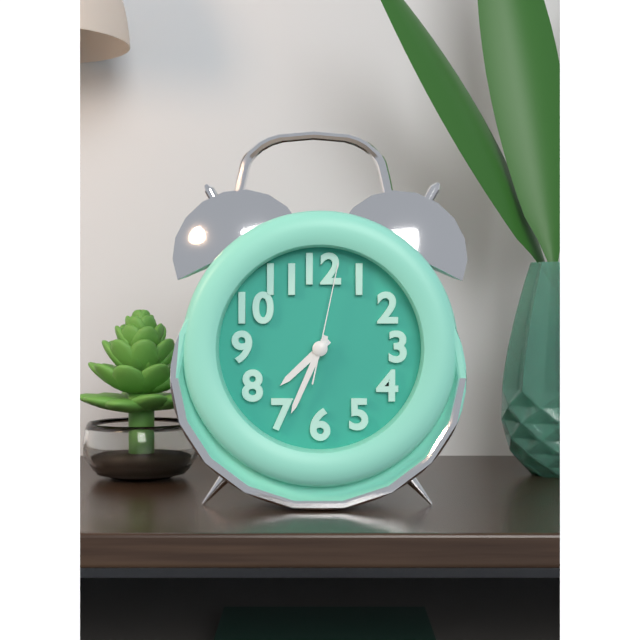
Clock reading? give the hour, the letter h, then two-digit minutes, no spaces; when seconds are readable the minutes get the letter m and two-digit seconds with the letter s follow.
7h34m02s
